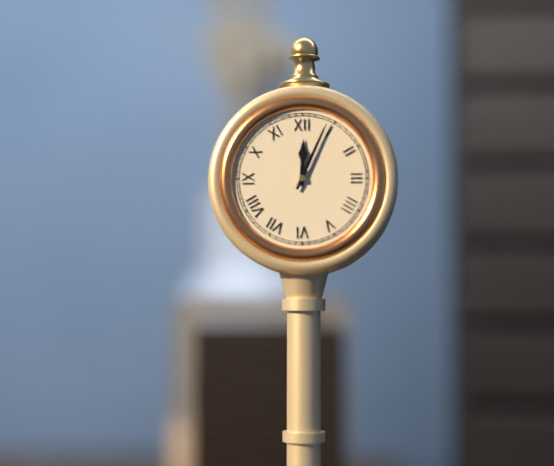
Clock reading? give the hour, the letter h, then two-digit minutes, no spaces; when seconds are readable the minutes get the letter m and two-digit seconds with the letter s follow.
12h04
